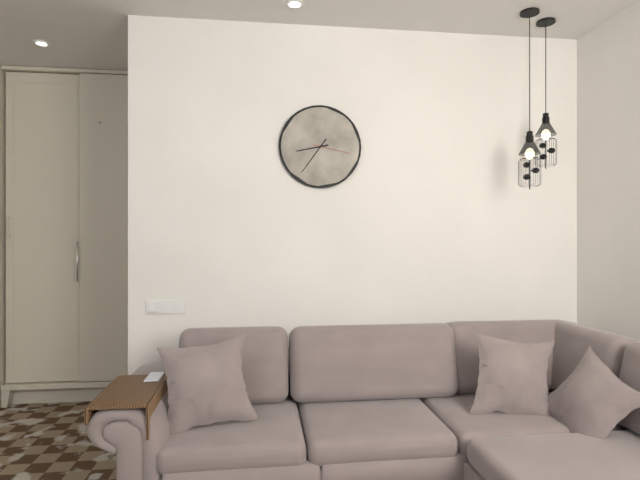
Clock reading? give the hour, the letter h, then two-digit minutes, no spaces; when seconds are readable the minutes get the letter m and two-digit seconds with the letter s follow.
8h36
